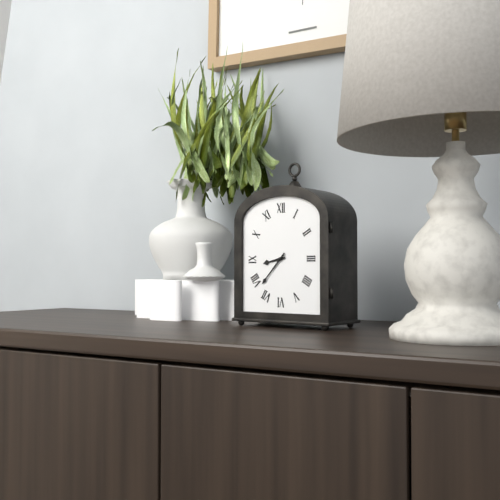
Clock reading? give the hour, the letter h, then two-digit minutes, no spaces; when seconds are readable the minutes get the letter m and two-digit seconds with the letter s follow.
8h37
